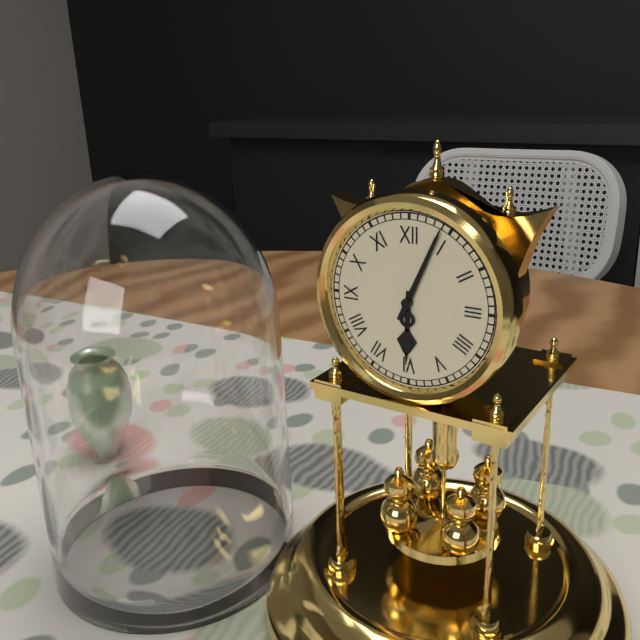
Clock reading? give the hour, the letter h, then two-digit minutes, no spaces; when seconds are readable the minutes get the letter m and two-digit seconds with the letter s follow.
6h04
